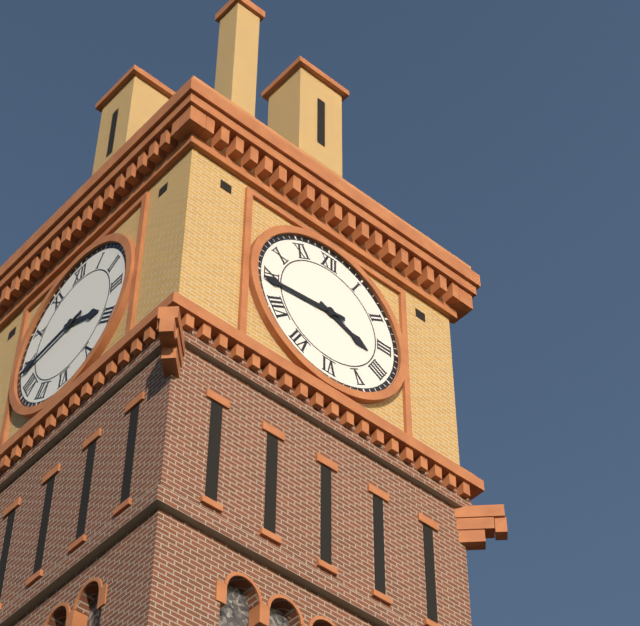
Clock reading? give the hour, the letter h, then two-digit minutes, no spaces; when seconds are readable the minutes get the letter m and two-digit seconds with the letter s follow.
3h44
